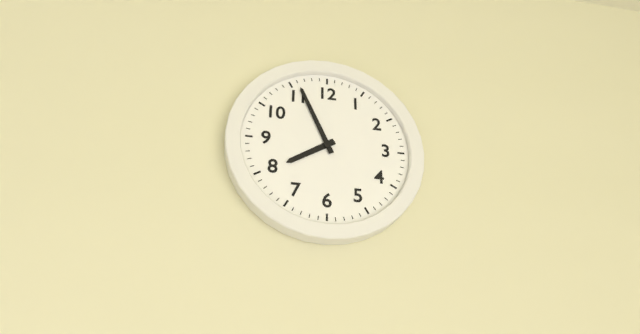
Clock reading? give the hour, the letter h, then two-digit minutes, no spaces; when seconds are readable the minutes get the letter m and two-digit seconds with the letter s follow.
7h56
